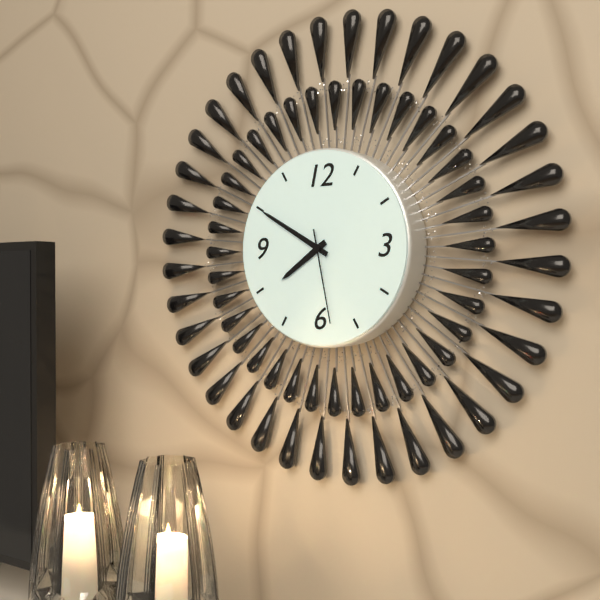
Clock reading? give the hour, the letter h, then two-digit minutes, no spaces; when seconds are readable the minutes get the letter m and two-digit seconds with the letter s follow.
7h50m28s
